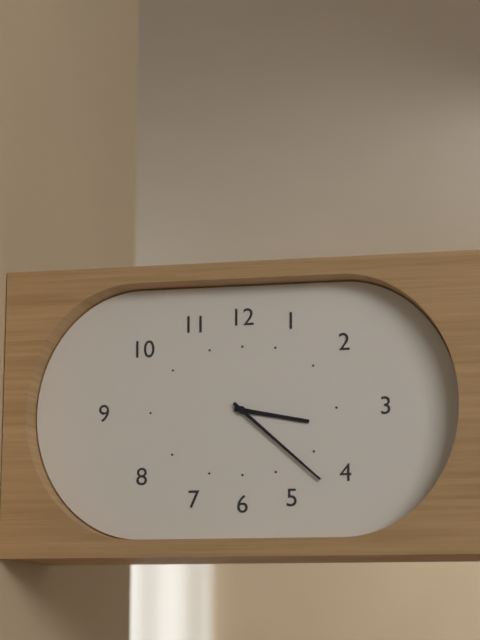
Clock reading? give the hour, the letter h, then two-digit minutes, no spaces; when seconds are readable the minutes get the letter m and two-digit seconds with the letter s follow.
3h22
